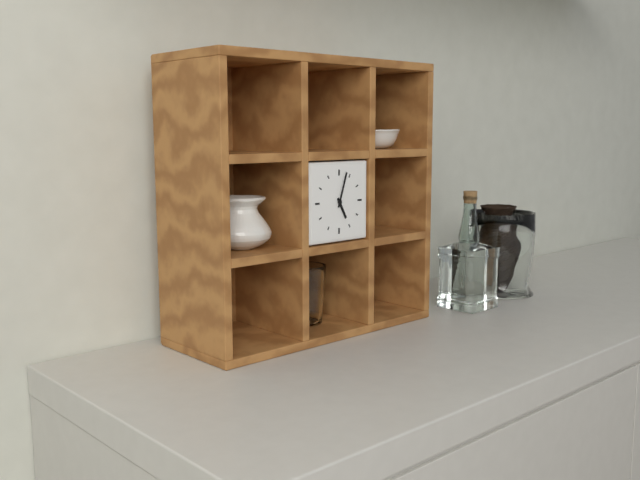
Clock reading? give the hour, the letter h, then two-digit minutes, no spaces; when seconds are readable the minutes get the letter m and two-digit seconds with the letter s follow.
5h03
